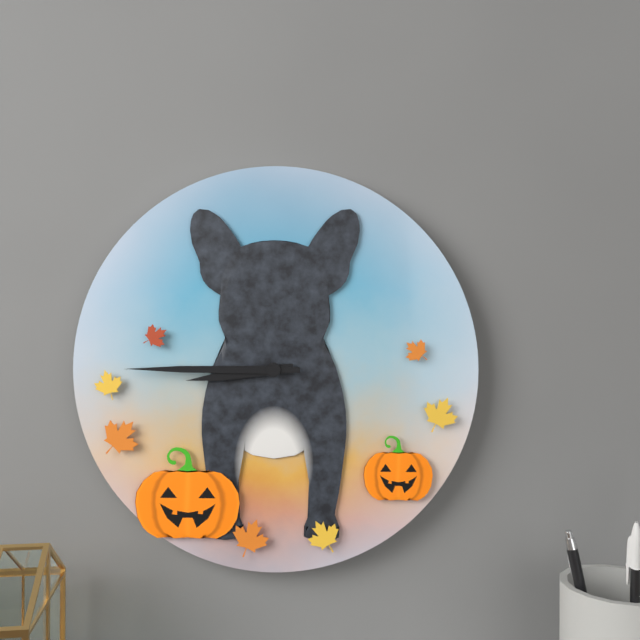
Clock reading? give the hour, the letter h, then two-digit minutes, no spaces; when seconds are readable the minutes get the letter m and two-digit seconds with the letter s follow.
8h45
